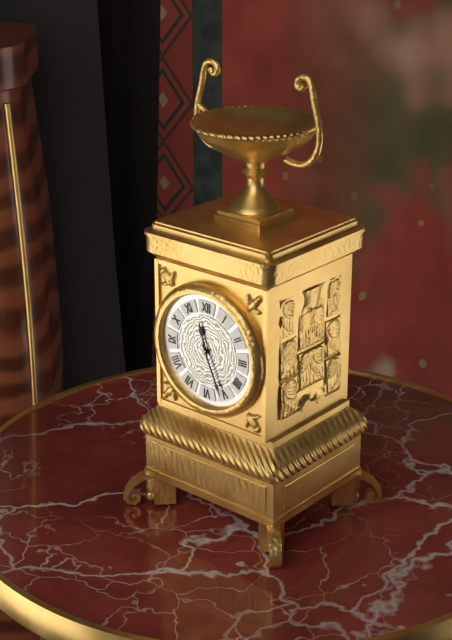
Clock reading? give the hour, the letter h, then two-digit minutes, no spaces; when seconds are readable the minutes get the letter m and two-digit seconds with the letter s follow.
11h26
